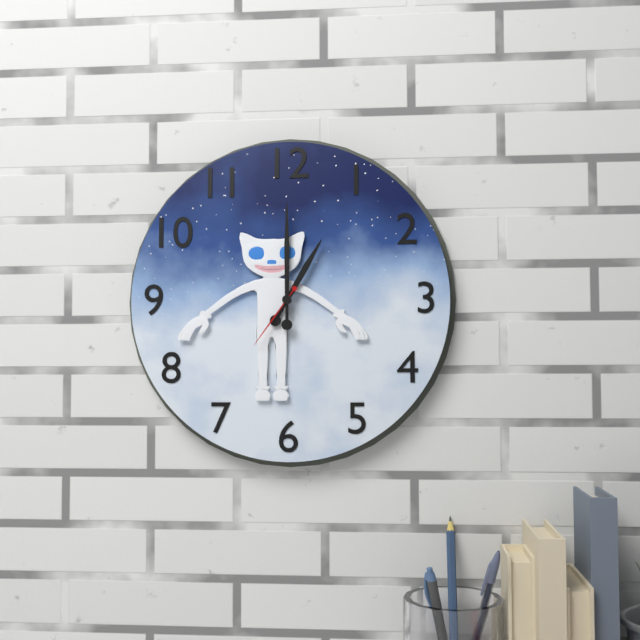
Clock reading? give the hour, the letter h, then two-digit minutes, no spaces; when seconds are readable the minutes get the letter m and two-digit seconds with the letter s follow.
1h00m36s
